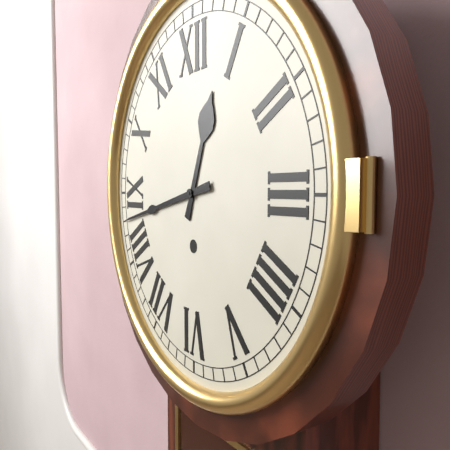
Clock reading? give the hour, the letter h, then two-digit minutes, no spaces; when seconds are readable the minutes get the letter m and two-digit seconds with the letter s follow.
12h43
